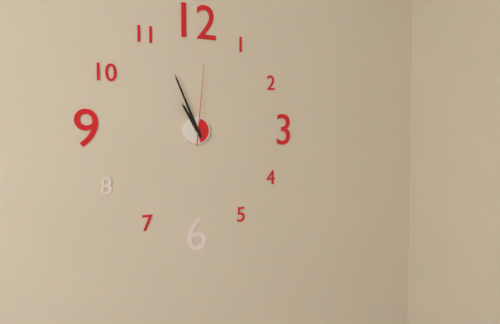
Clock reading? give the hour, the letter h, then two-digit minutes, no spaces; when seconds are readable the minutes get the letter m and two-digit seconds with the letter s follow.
10h56m01s
